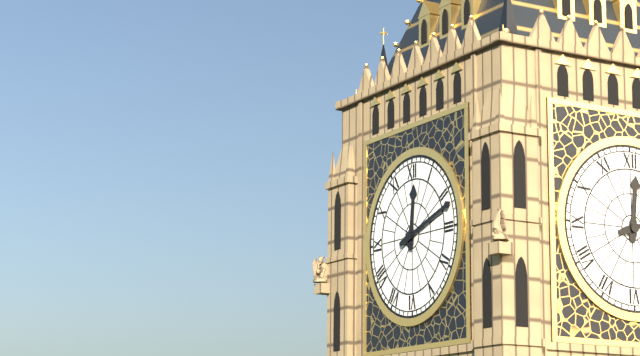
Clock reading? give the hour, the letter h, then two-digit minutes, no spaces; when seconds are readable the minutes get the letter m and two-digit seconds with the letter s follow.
12h12
